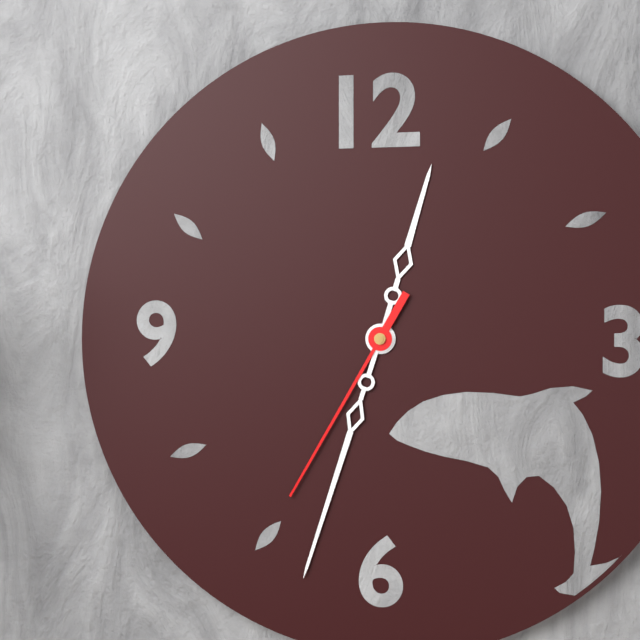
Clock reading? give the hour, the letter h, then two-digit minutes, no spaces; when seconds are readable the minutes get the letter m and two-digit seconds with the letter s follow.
12h33m35s
